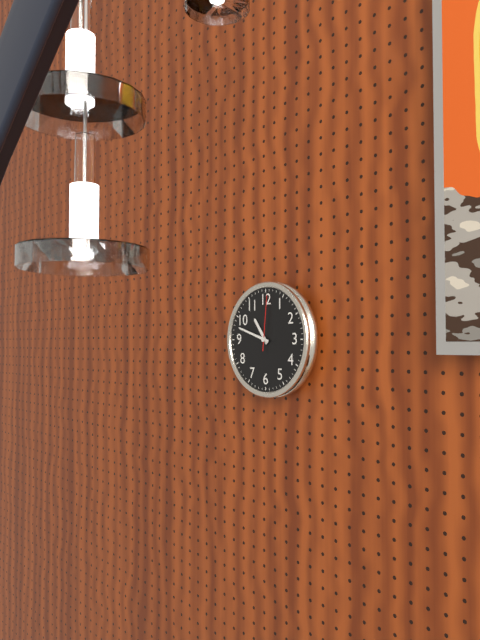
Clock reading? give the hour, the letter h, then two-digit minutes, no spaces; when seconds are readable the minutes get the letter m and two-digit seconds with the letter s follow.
10h48m01s
